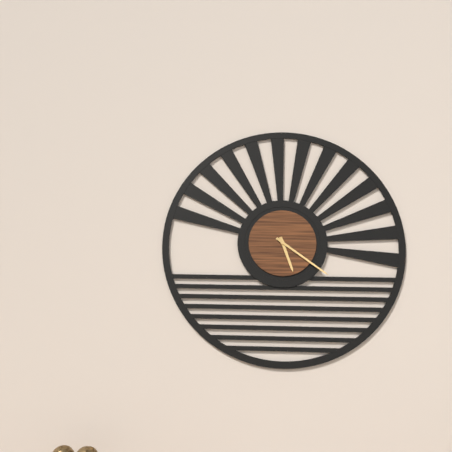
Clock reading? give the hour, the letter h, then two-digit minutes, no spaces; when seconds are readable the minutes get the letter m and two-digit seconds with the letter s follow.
5h21
